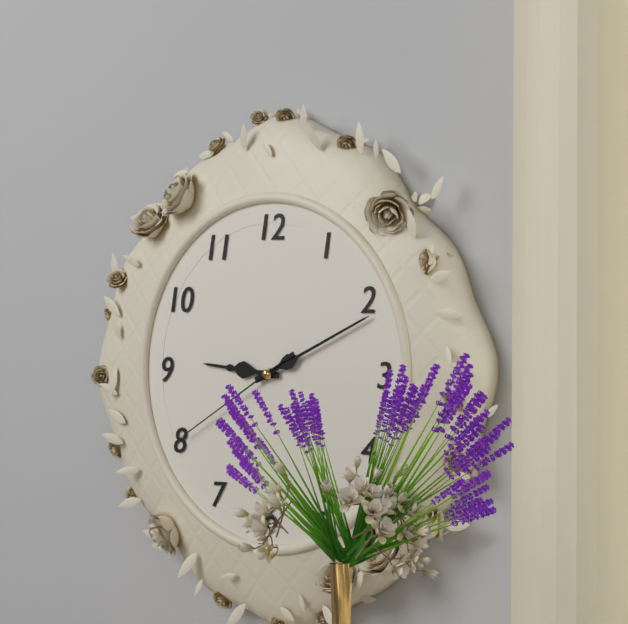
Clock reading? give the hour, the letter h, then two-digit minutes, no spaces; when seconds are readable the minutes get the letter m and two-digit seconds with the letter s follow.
9h11m40s
